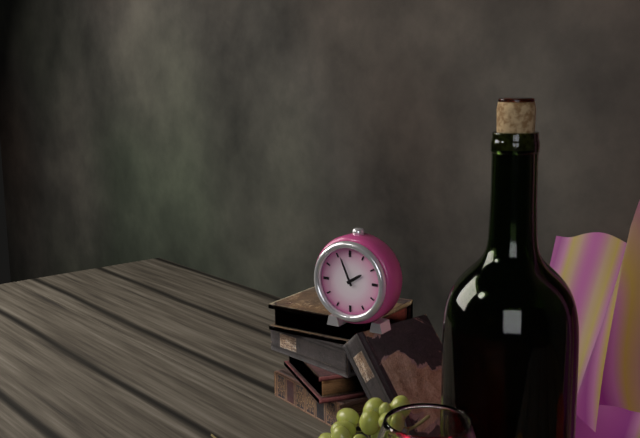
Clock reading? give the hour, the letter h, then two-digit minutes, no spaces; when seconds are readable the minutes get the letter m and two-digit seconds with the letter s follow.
1h56
